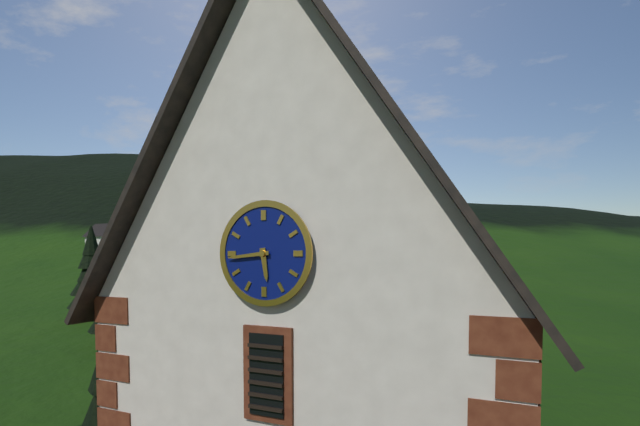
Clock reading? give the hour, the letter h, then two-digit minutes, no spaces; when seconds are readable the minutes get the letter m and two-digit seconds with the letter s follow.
5h44
